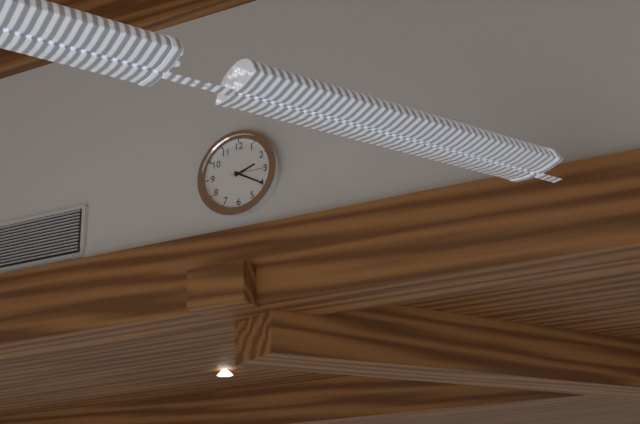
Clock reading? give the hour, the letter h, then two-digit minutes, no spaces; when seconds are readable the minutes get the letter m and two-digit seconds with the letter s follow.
2h20
